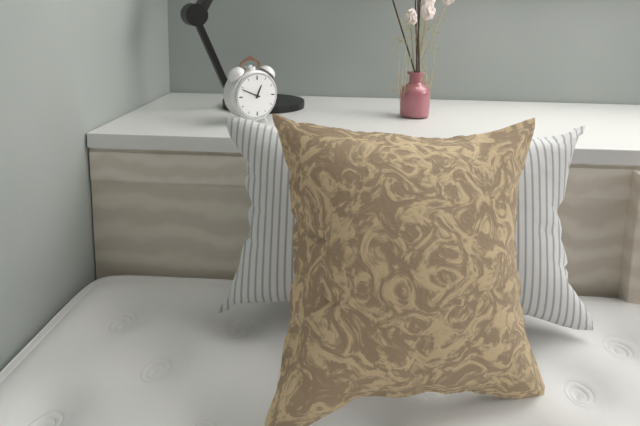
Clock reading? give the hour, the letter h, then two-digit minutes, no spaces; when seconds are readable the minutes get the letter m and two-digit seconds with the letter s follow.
12h49
